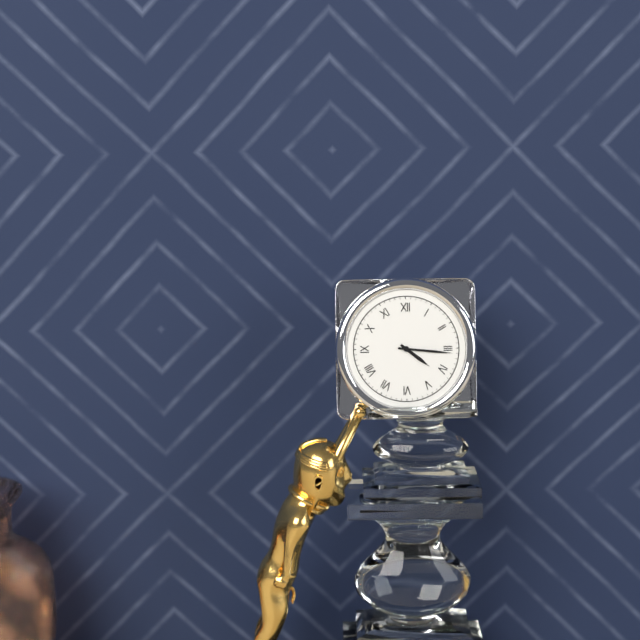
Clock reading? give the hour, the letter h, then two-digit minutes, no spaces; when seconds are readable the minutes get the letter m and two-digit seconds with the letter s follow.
4h16
